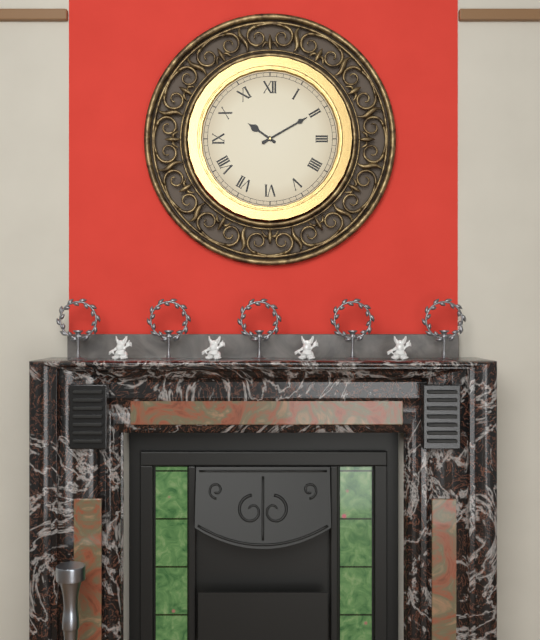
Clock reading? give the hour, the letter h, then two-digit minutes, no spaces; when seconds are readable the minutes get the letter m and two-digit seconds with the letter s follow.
10h10
